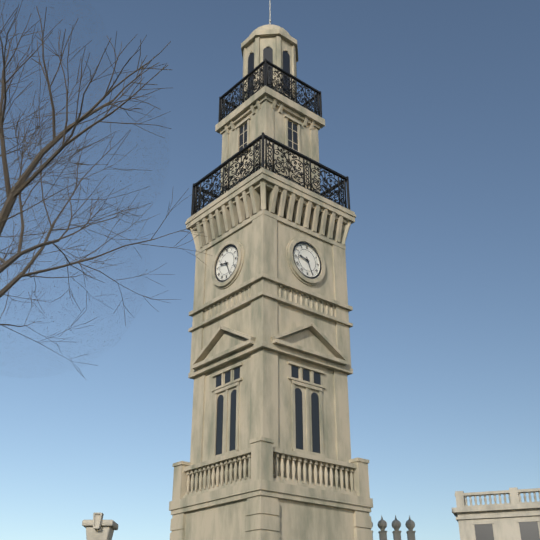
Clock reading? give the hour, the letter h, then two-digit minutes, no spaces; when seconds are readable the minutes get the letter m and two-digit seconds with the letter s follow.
9h26
